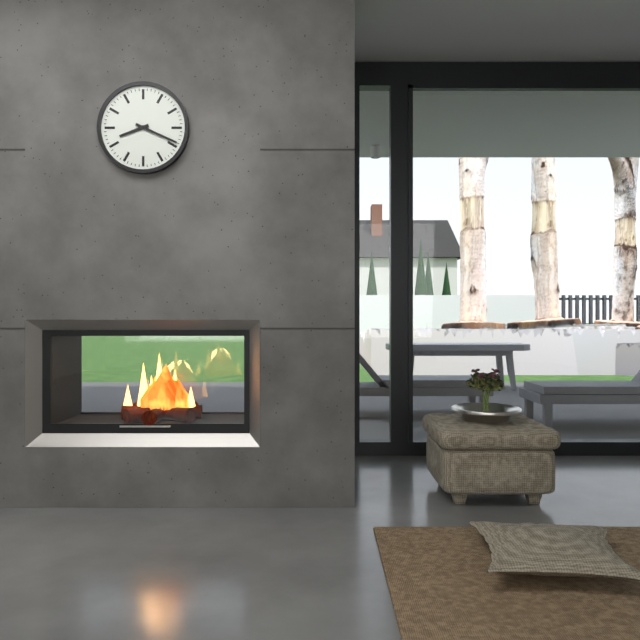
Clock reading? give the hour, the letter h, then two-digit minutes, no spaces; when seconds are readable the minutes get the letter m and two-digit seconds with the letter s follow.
8h19
